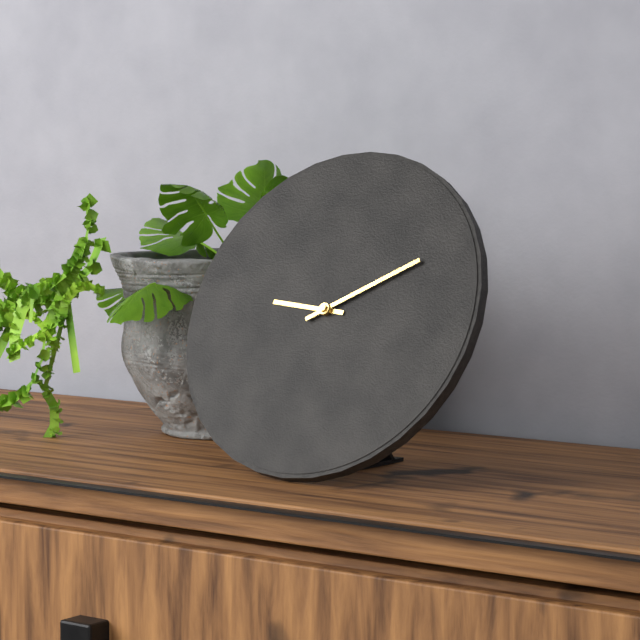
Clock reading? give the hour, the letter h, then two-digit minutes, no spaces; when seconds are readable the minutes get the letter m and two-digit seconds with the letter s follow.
9h10
